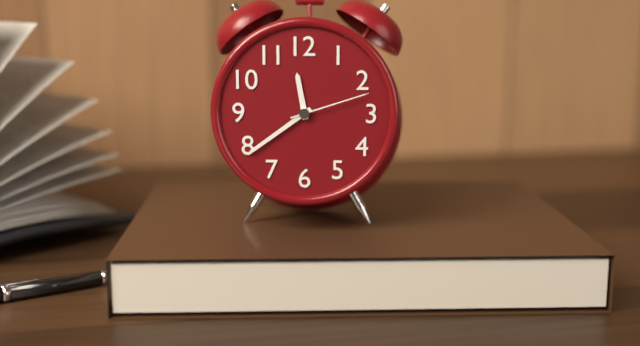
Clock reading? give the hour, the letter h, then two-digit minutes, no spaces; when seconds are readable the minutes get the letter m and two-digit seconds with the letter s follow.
11h39m12s
